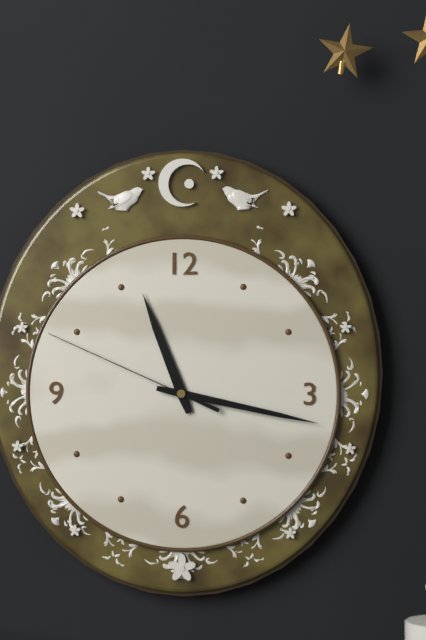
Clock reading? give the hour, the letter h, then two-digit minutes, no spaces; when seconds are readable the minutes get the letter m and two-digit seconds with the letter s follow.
11h17m49s
